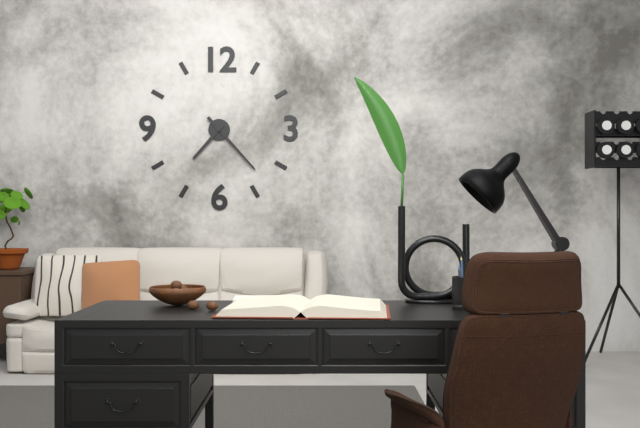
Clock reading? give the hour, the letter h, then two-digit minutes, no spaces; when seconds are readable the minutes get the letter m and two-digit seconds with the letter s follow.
7h23
